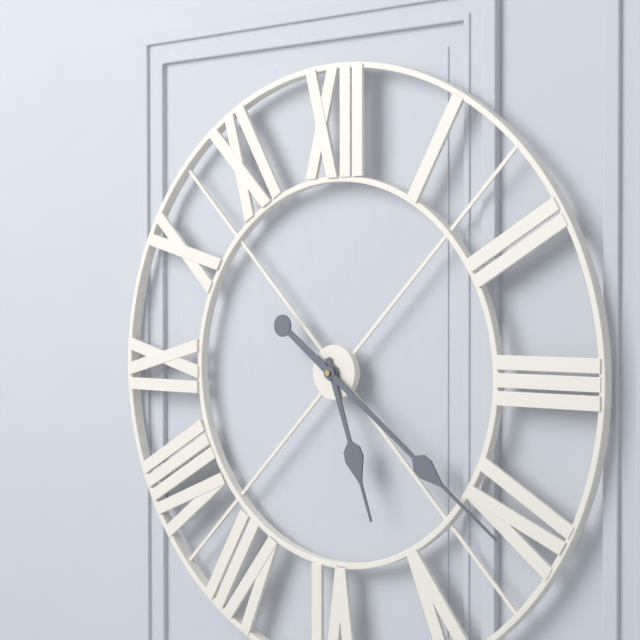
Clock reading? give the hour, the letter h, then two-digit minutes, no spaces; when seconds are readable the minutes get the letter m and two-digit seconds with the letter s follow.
5h21
